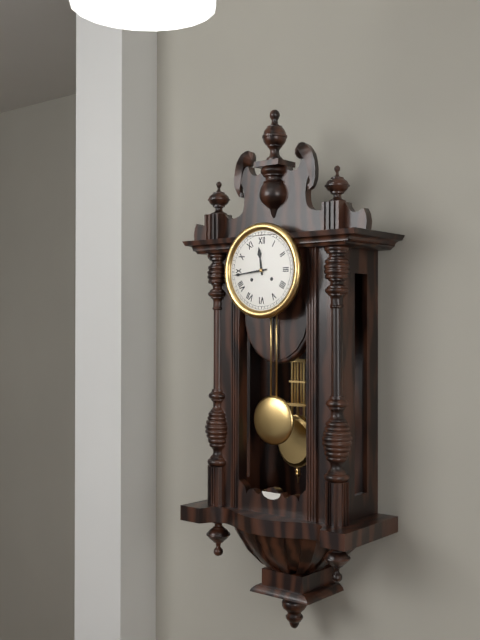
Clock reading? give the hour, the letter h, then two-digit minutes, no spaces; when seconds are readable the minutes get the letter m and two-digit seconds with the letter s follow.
11h44
